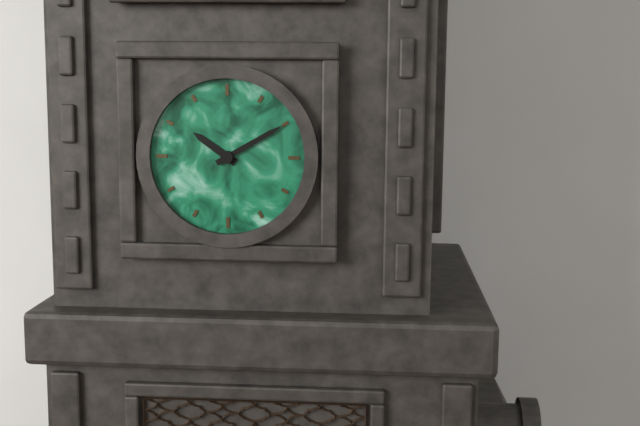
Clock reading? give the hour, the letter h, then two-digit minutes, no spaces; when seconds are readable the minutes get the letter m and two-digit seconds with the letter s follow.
10h10
